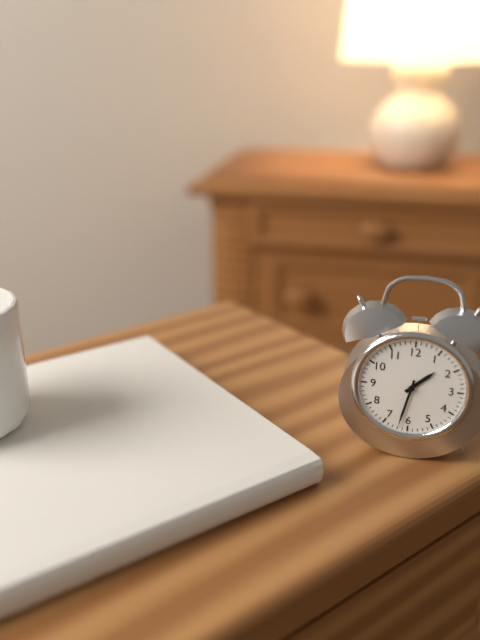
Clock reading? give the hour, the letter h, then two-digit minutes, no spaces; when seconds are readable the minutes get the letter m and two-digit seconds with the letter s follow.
1h32
